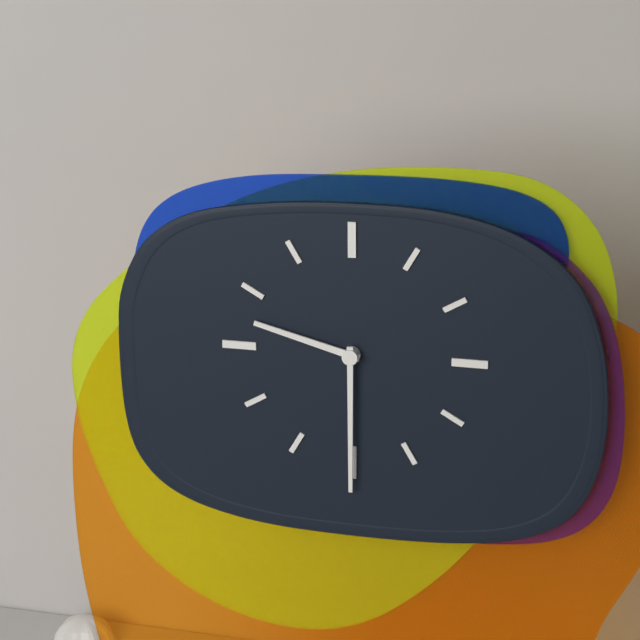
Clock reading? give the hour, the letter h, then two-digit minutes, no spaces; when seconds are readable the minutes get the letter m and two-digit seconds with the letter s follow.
9h30
